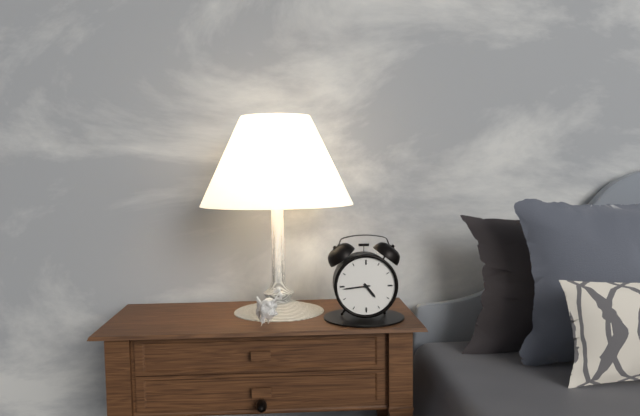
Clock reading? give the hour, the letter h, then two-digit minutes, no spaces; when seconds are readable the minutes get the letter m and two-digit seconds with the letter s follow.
4h44
